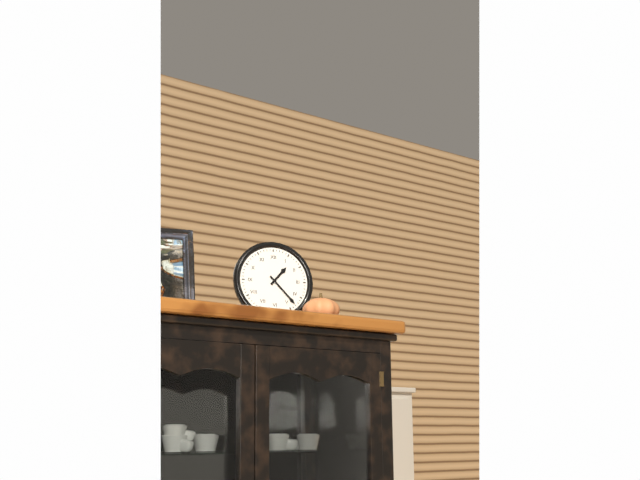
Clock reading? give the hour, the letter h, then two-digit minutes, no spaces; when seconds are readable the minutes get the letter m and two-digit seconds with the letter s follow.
1h23
